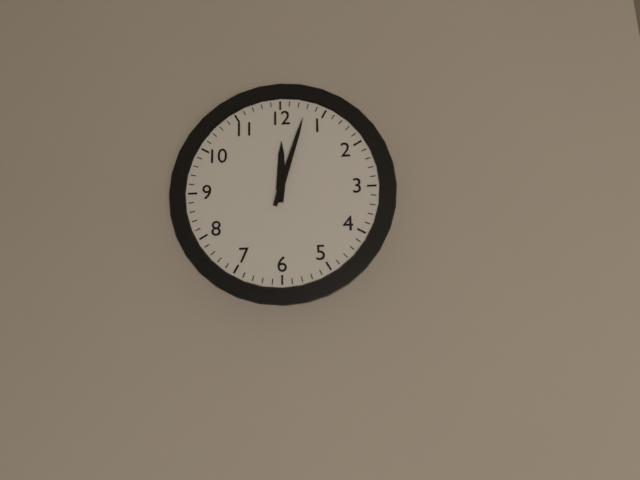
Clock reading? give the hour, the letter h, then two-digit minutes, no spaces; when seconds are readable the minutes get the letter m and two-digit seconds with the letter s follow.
12h03
